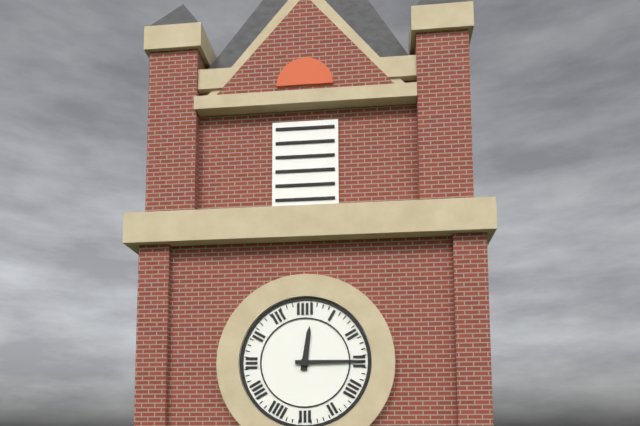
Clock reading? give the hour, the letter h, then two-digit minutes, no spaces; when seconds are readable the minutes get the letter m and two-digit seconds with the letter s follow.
12h15
